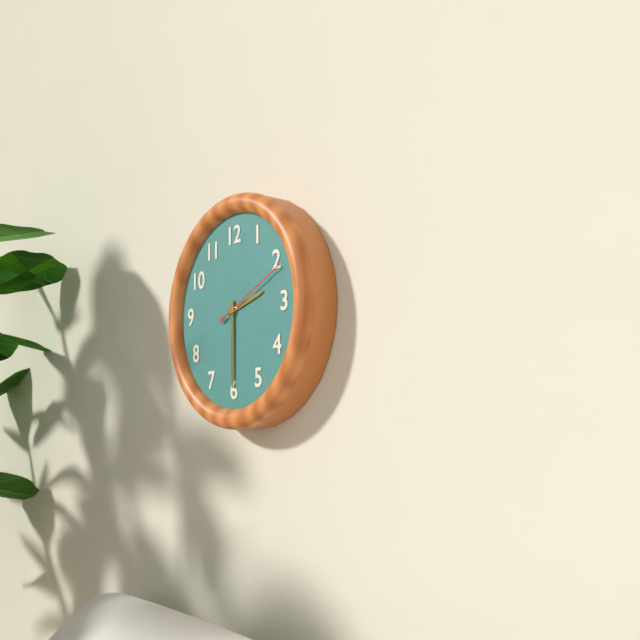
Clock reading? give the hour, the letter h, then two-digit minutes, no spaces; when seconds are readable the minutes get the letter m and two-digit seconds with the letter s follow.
2h30m11s
